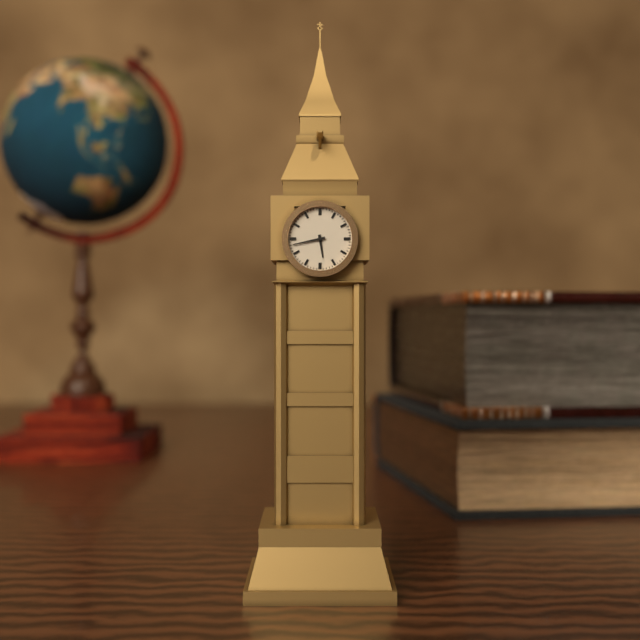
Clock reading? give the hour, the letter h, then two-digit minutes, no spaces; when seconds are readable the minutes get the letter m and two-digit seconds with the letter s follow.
5h43
